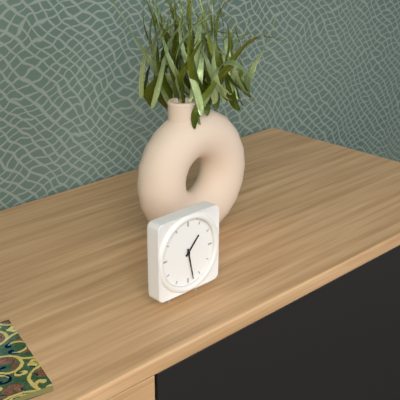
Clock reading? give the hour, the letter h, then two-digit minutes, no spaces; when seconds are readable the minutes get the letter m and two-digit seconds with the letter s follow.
1h28
